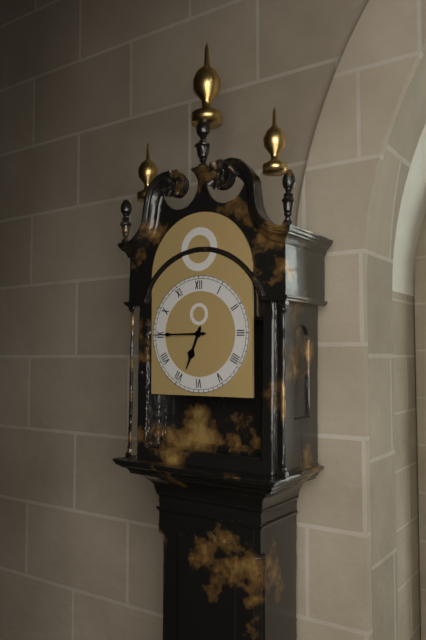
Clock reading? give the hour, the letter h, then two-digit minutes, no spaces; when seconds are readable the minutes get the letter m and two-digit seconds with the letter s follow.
6h45
